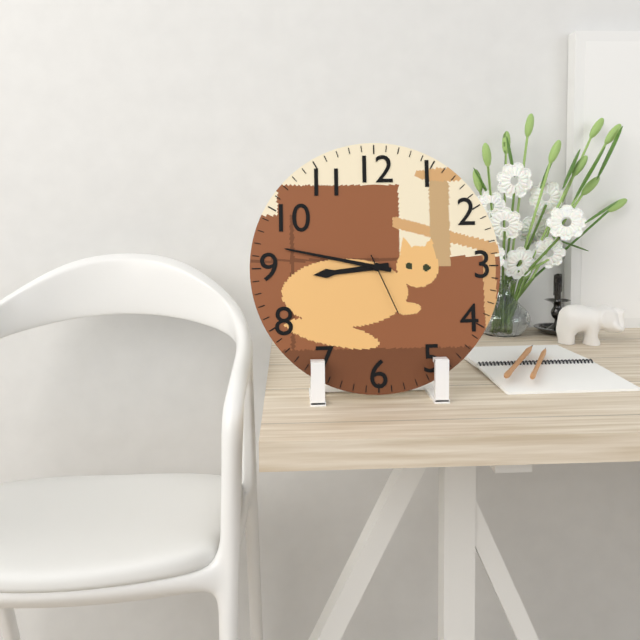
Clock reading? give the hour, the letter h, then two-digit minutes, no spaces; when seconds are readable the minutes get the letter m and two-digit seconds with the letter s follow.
8h47m26s
